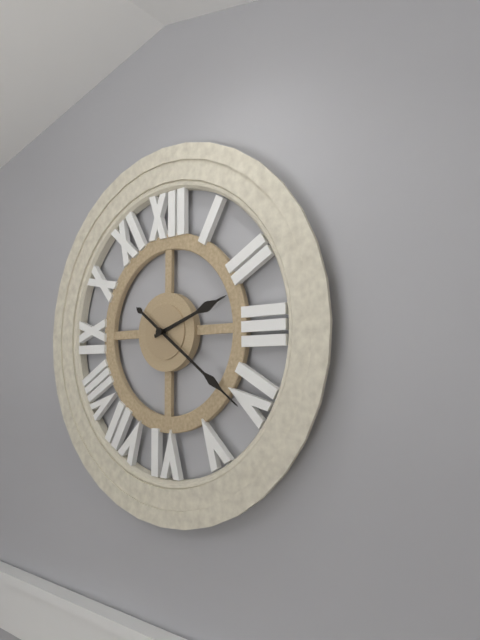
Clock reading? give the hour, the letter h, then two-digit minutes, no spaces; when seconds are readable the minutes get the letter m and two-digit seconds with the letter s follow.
2h21
